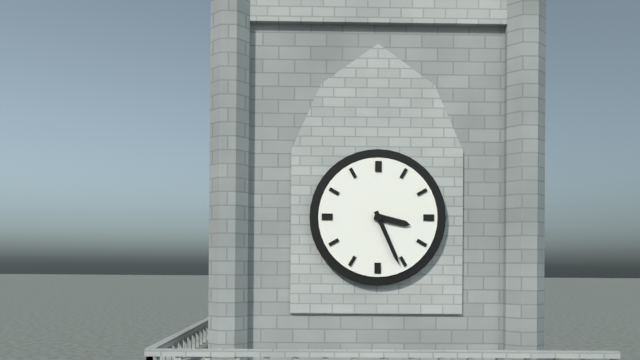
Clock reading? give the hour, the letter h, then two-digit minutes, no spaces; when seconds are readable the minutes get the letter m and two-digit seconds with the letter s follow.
3h26
